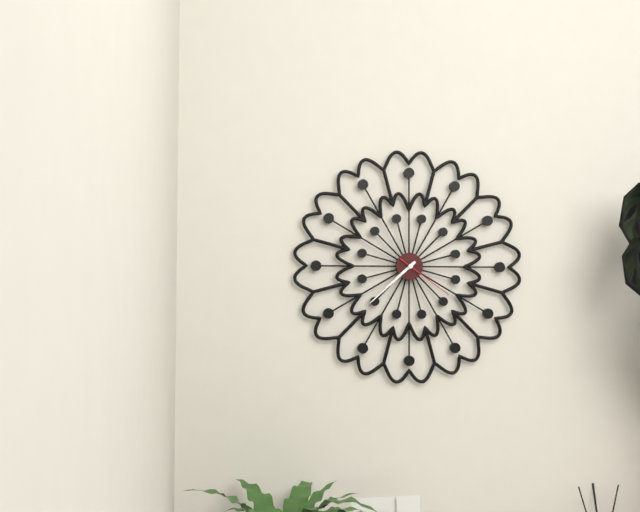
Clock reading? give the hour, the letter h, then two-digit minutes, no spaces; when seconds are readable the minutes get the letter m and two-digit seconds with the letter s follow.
7h38m21s
